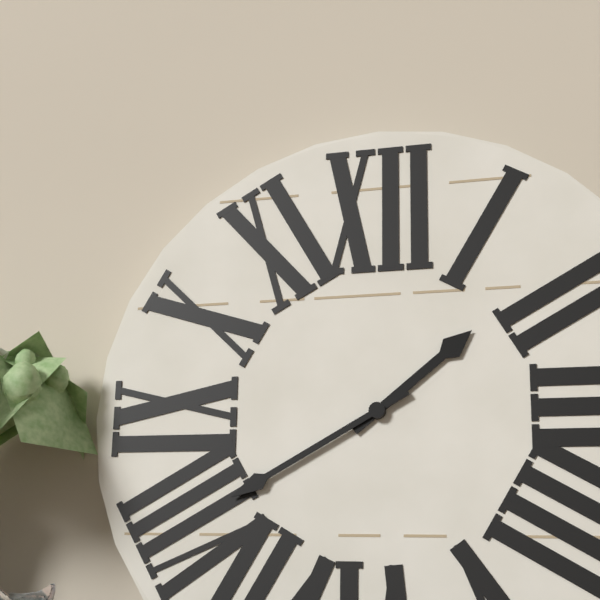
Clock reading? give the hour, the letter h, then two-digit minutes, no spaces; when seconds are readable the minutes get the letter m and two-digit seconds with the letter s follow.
1h40
